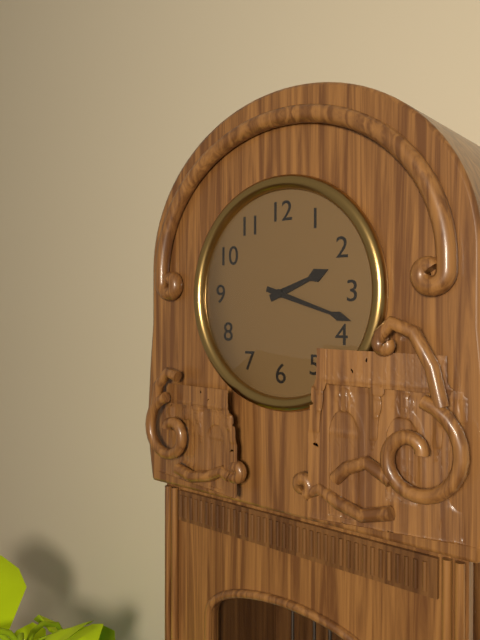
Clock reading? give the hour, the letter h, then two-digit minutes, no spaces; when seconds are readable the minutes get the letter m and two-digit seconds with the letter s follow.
2h18
